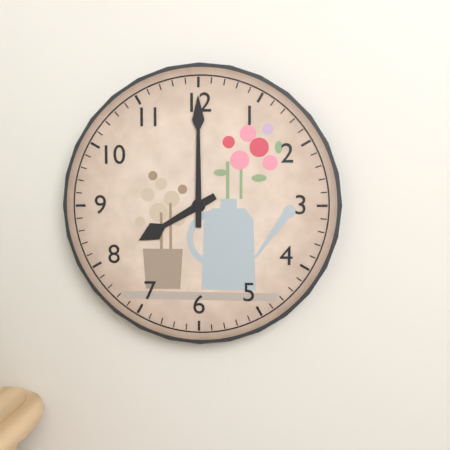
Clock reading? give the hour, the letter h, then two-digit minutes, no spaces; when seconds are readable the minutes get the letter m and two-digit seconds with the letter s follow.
8h00
